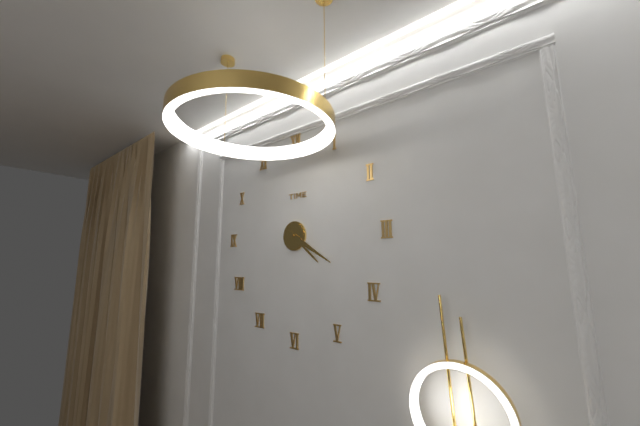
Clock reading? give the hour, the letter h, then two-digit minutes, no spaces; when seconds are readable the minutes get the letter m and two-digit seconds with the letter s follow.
4h20
